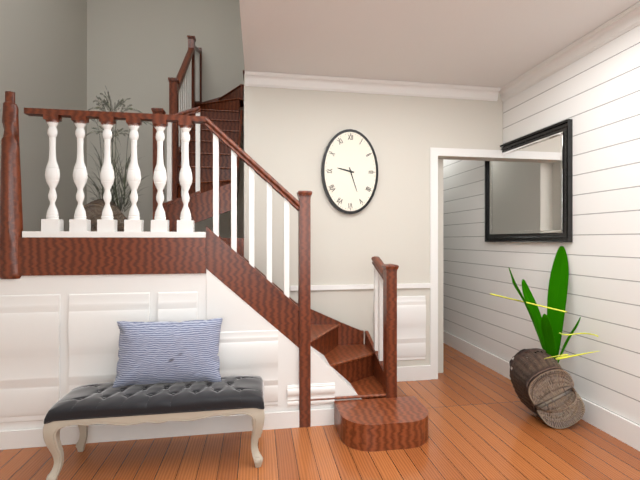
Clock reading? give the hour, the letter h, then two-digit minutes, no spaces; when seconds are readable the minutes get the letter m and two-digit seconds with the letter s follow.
9h27
